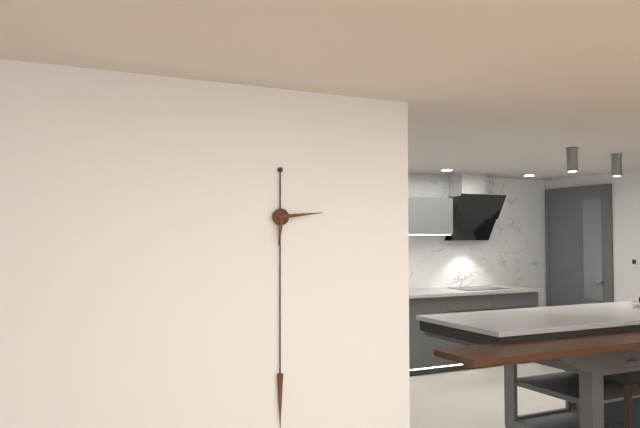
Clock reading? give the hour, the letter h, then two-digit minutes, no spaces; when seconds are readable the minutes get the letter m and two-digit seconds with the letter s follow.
6h14
